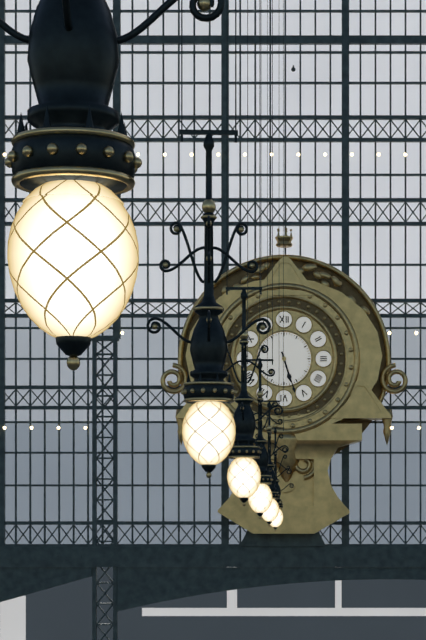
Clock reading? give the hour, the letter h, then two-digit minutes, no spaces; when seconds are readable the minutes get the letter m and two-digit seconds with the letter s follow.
5h27
